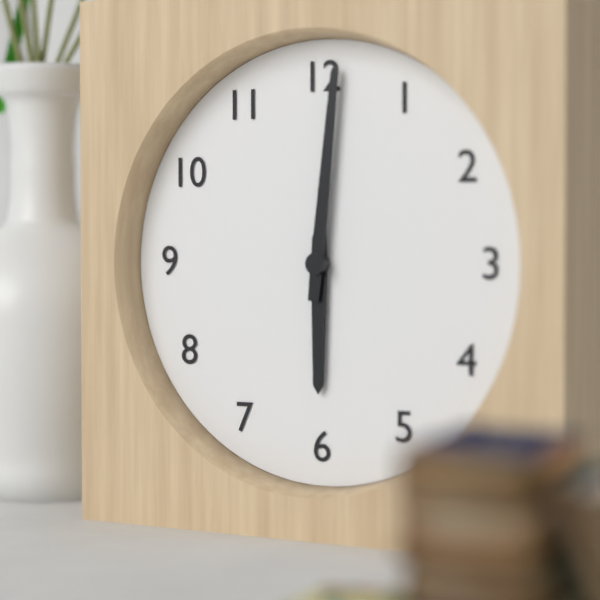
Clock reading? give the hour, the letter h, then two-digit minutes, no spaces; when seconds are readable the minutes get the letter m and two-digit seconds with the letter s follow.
6h01
